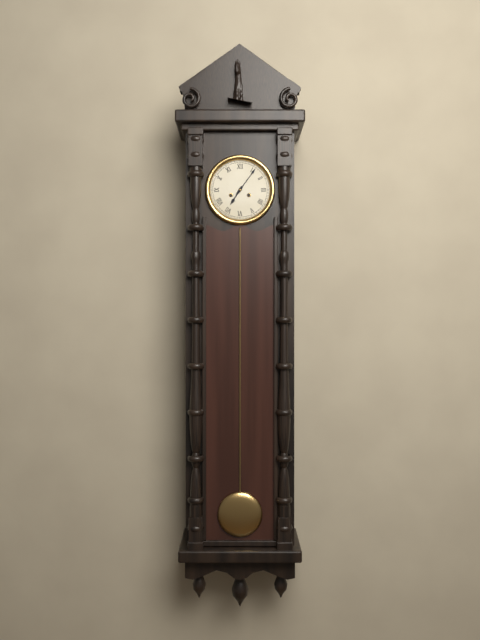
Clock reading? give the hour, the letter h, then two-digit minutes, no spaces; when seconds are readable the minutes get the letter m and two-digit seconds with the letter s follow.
7h06
